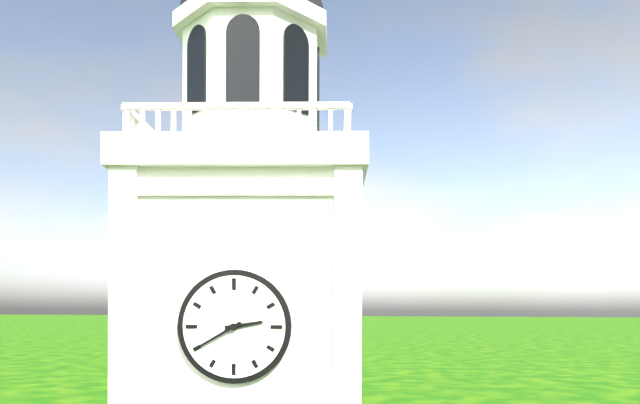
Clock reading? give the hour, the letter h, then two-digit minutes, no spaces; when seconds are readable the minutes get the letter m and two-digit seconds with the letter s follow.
2h40
